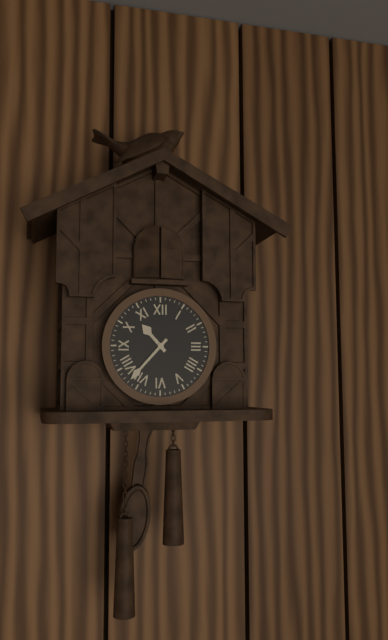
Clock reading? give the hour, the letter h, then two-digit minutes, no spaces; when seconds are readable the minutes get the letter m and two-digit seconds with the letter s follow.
10h37
